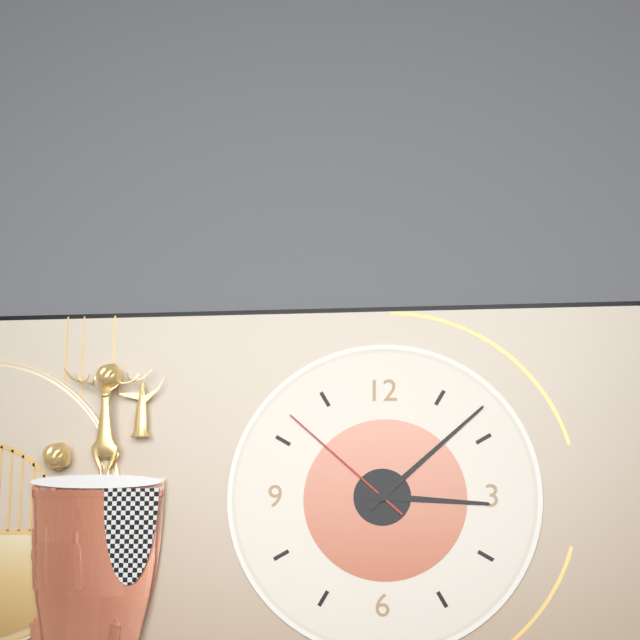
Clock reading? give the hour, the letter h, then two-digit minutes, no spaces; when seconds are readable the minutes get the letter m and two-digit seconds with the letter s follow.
3h08m52s
